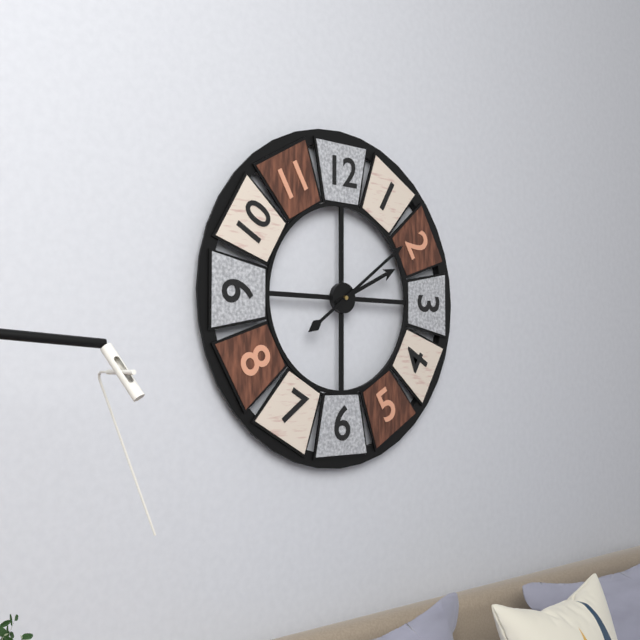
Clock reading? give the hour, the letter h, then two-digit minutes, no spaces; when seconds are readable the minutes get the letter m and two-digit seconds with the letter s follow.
2h09
